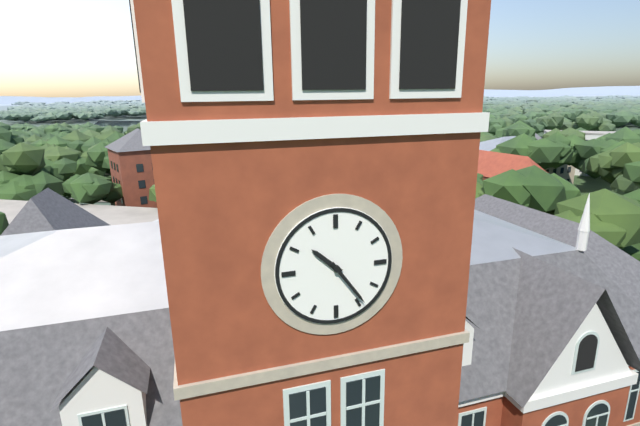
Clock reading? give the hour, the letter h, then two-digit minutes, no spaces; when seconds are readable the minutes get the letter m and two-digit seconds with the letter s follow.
10h24
